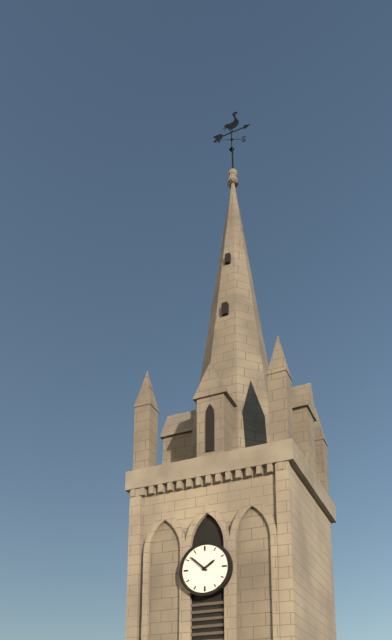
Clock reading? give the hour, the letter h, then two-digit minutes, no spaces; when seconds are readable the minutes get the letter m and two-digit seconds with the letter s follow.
1h52
